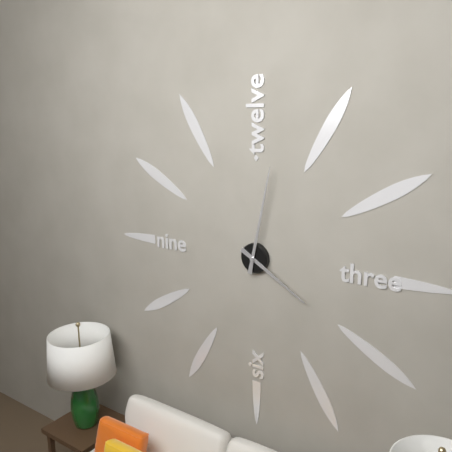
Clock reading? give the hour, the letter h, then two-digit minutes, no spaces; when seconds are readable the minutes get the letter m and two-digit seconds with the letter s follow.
4h02
